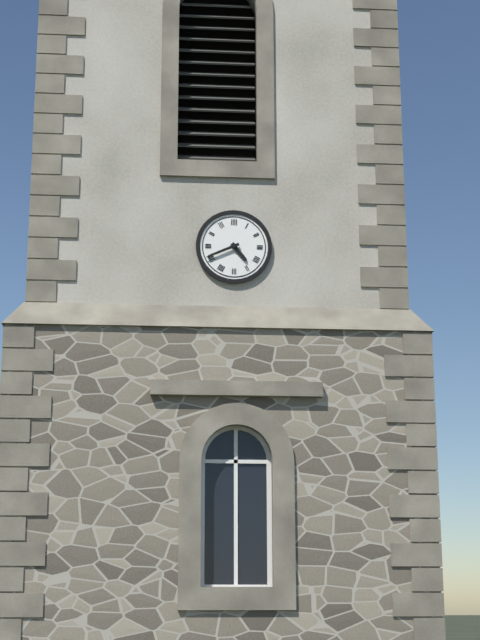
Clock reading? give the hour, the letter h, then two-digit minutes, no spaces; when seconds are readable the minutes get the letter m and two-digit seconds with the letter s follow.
4h41
